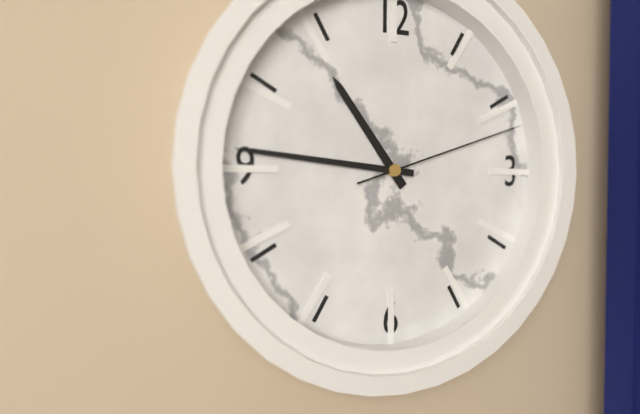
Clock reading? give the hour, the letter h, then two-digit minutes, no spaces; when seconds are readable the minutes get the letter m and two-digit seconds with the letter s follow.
10h46m12s
